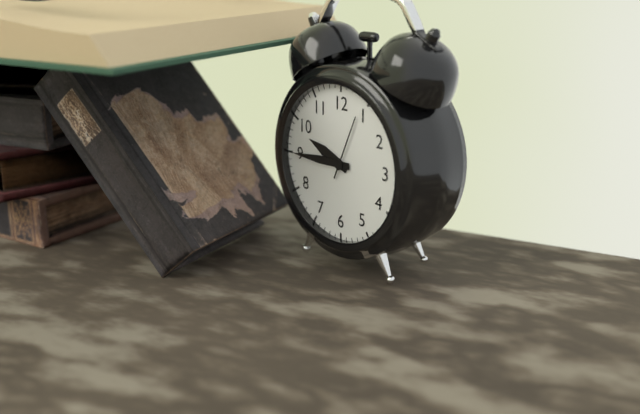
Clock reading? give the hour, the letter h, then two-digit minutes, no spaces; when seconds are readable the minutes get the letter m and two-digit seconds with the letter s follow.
9h45m04s
